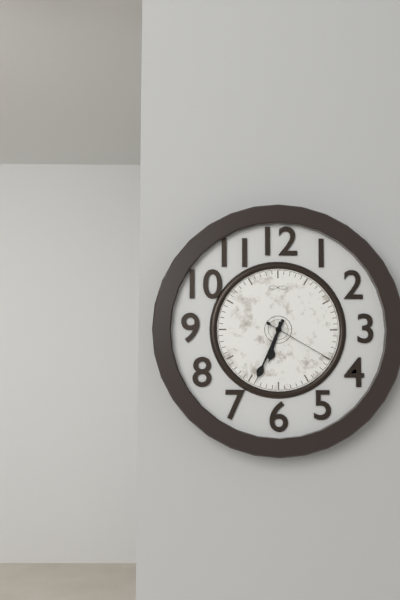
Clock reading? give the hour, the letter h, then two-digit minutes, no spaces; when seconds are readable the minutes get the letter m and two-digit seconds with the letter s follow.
6h34m20s
